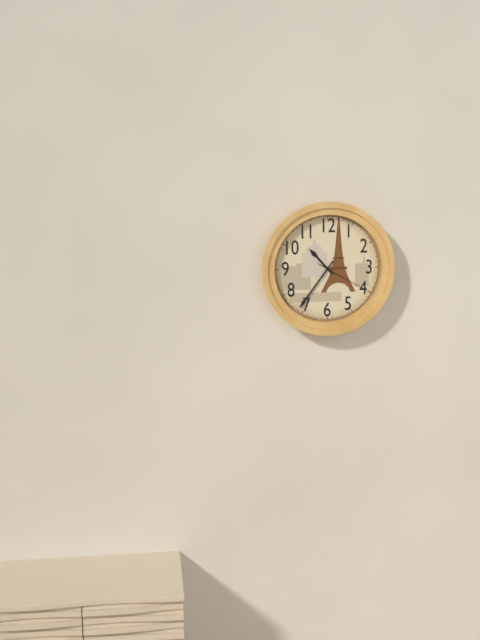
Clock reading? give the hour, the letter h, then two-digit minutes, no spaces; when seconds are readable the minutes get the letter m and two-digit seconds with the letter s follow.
10h36m20s
